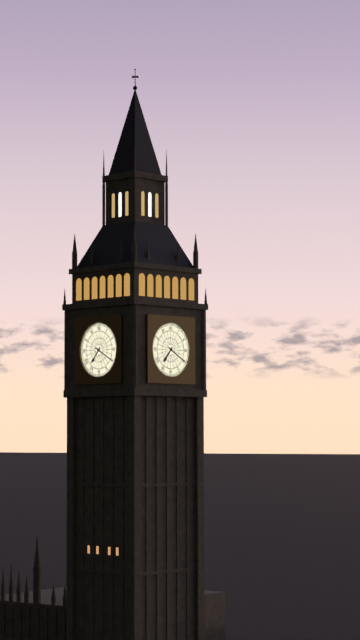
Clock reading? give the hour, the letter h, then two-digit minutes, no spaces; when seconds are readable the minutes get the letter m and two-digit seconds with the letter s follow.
7h20
